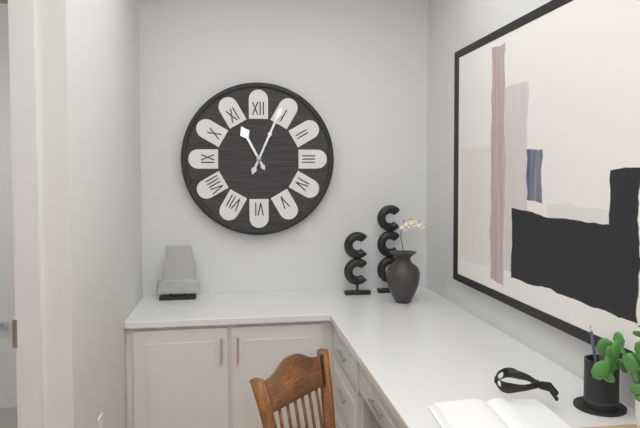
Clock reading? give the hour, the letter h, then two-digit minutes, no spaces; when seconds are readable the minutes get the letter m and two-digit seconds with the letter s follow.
11h04
